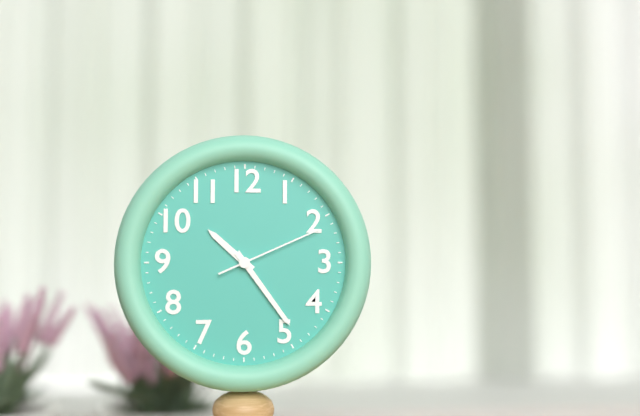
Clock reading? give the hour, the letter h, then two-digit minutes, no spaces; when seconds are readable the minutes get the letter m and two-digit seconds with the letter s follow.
10h24m11s
